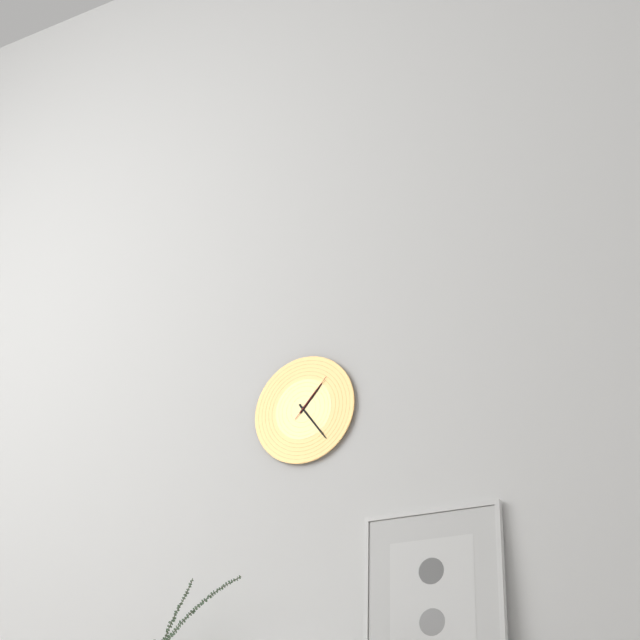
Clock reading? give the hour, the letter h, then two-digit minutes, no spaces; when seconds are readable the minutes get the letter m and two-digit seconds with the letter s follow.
1h24m07s
